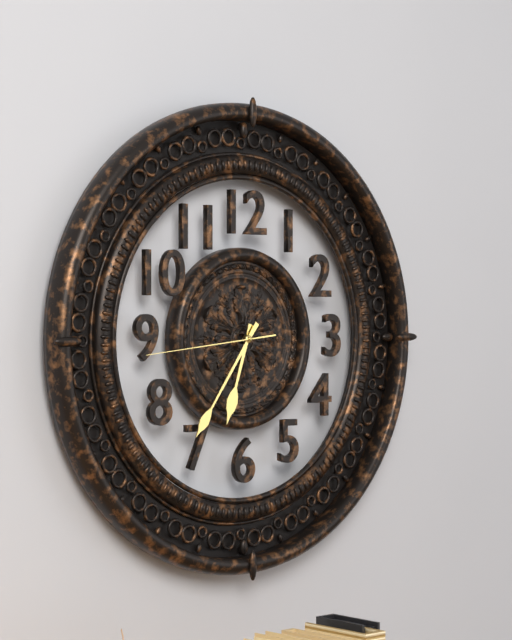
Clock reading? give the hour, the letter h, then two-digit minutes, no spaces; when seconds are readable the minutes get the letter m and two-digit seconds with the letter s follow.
6h36m44s
